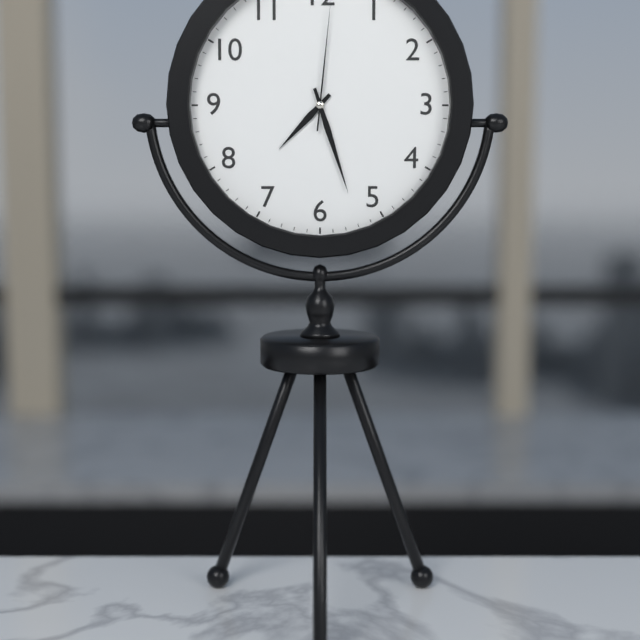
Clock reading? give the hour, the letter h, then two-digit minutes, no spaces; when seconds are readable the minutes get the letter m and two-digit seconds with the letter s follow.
7h27
